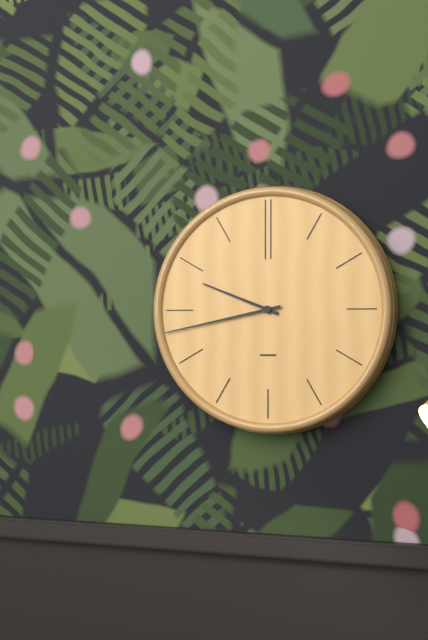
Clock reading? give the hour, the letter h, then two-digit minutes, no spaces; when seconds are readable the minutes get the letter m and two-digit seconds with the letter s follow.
9h43
